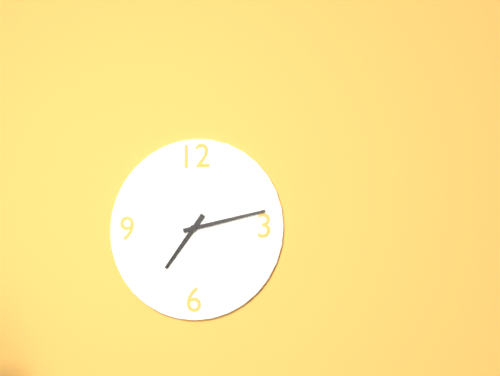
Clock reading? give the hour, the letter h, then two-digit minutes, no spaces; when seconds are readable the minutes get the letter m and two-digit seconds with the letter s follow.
7h13
